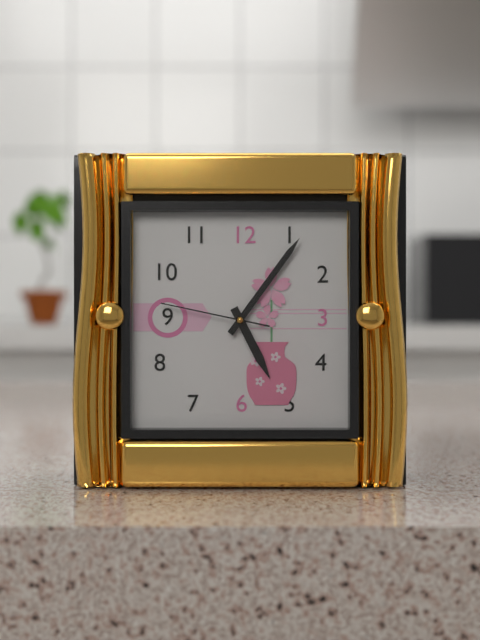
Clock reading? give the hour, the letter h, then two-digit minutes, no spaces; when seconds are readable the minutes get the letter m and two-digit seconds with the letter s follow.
5h06m47s
